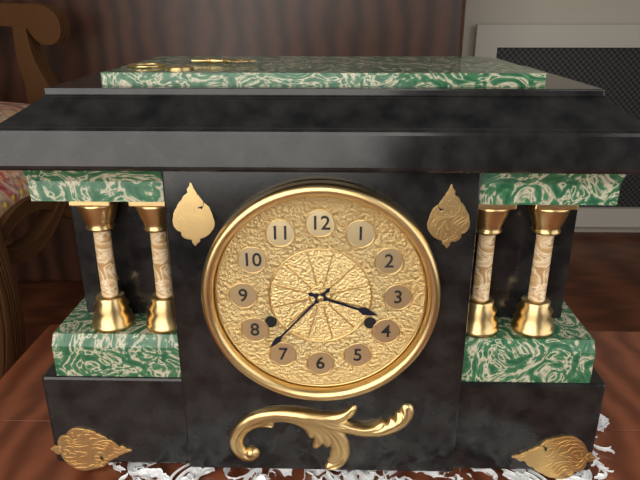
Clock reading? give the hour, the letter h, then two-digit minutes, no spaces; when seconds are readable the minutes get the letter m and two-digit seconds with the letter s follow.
3h37
